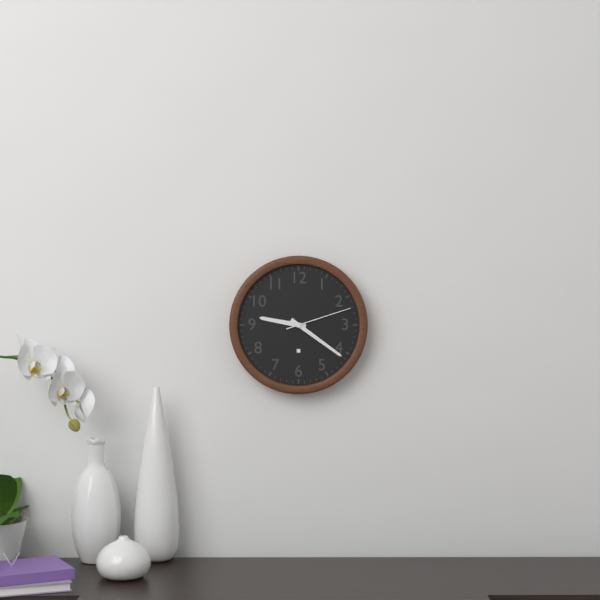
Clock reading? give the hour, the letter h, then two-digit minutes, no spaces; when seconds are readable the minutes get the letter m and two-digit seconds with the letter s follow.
9h21m12s
